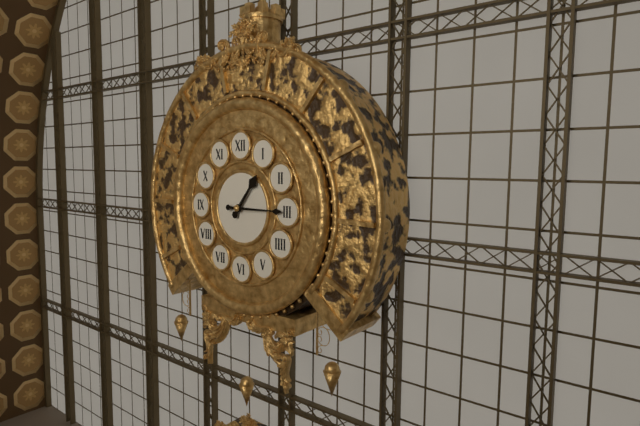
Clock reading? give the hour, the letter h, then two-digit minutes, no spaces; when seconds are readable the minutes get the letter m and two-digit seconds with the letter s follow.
1h15
